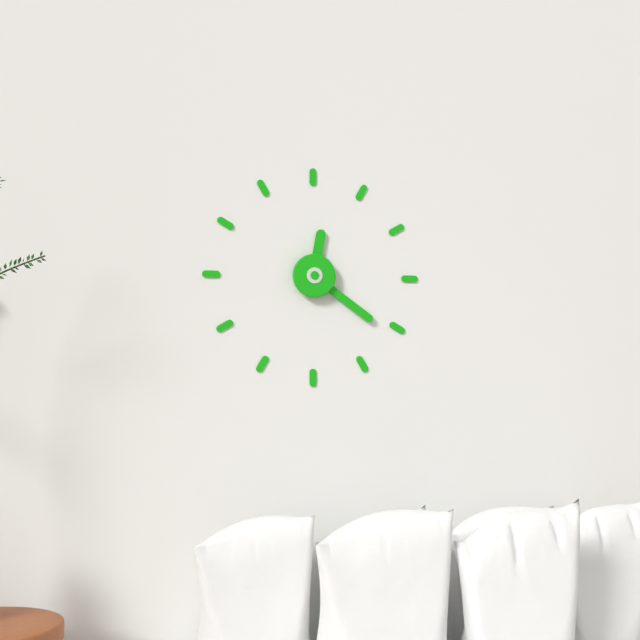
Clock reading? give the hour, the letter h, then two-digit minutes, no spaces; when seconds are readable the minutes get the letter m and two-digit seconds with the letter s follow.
12h21
